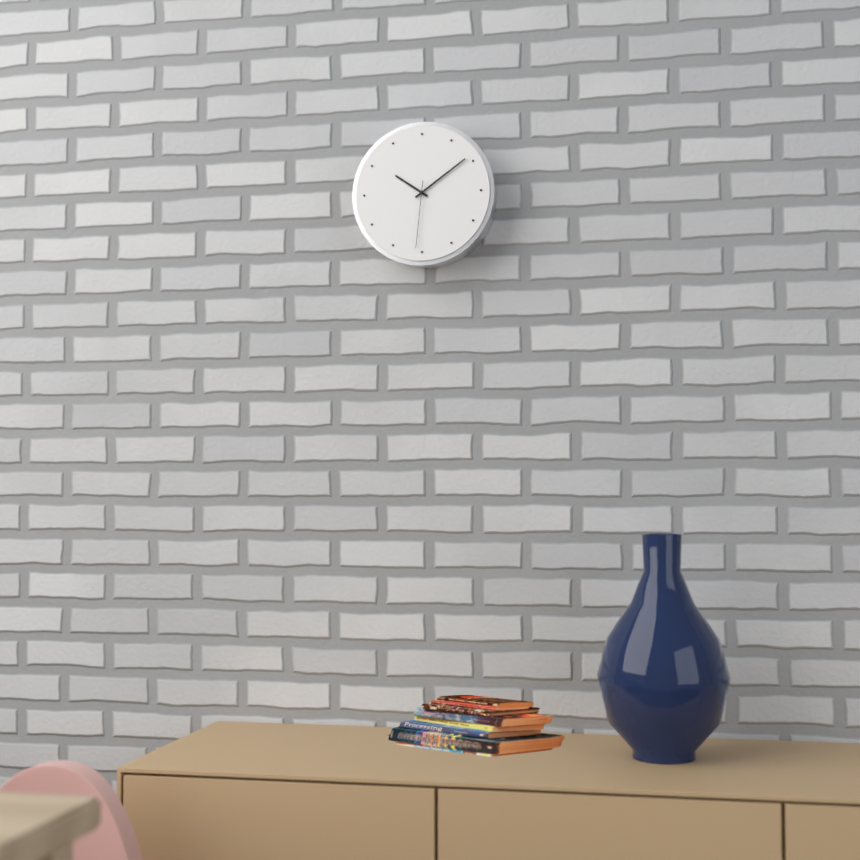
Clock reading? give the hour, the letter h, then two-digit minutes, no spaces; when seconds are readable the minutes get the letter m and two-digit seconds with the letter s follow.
10h09m31s
